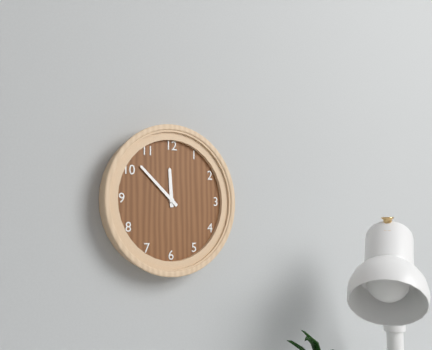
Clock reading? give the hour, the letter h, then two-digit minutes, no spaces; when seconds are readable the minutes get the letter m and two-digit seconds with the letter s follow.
11h52
